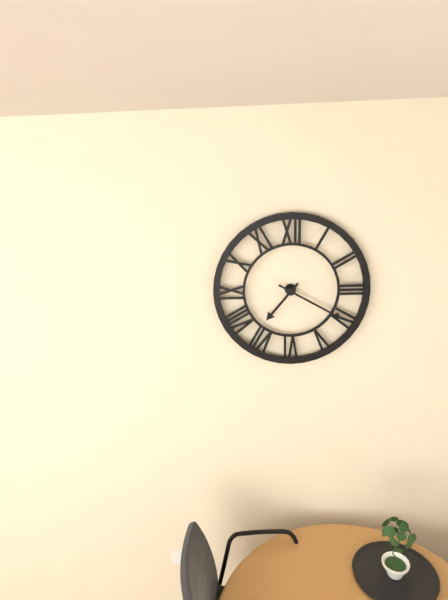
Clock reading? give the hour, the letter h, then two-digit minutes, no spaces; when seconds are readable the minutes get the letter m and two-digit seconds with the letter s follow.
7h20
